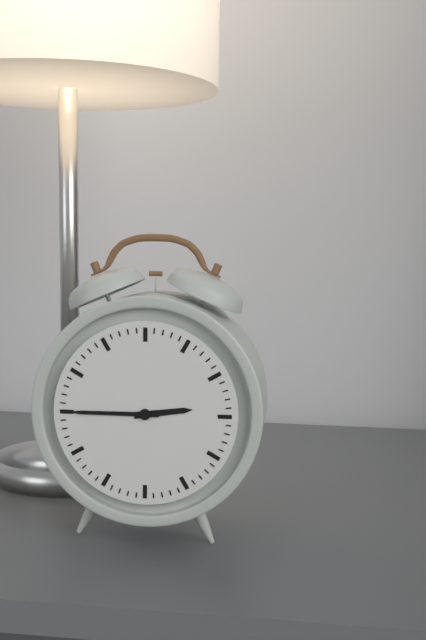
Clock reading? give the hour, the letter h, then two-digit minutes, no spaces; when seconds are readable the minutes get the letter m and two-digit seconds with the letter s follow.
2h45
